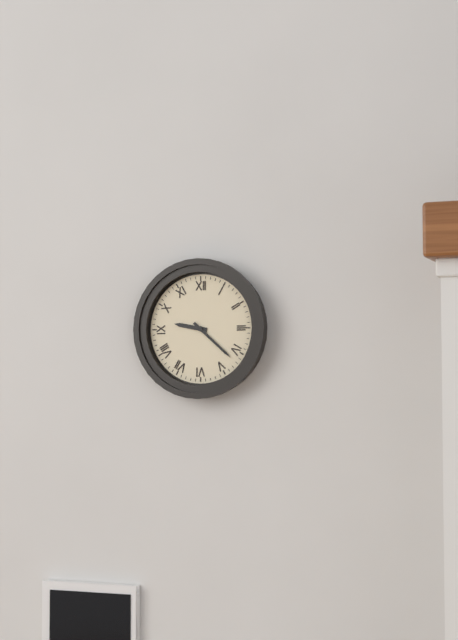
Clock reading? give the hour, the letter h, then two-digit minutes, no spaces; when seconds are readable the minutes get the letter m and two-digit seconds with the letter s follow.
9h22
